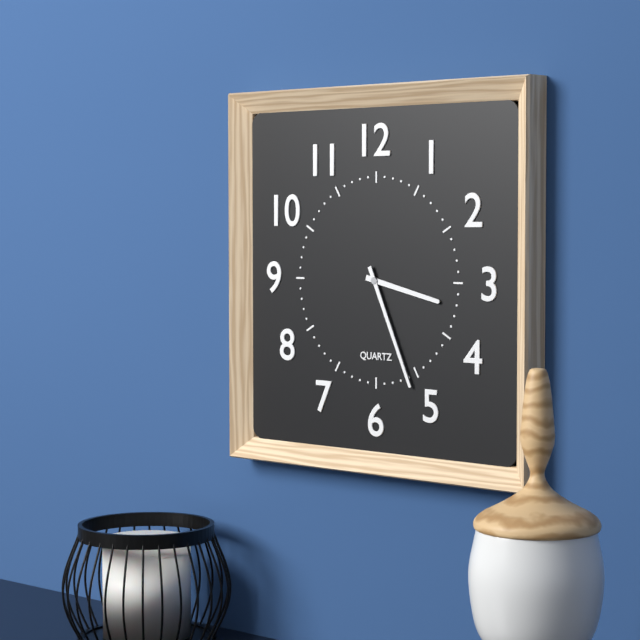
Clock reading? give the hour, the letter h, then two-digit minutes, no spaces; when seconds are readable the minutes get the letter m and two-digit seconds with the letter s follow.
3h26
